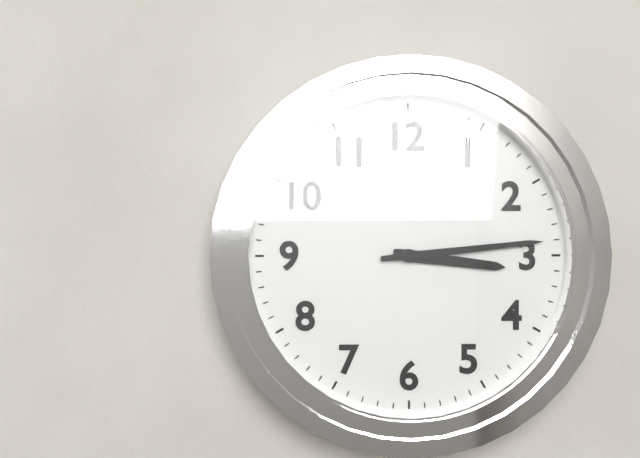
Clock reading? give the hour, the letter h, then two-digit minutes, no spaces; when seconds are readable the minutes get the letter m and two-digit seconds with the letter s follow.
3h14
